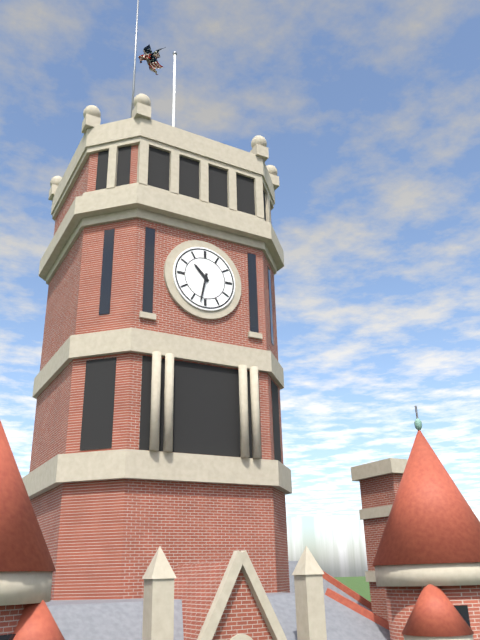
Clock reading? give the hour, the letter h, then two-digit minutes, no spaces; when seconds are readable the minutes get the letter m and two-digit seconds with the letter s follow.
10h32
